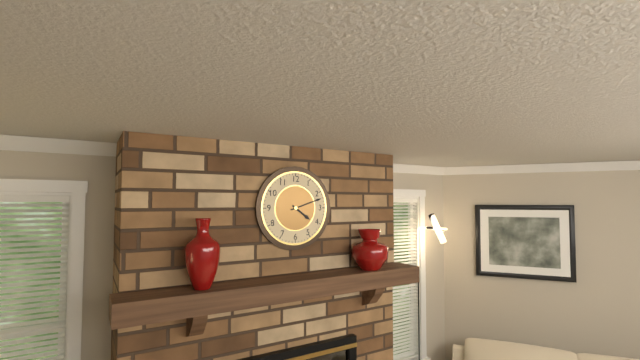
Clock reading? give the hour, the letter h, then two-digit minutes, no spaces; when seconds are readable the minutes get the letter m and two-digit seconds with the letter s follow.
4h12
